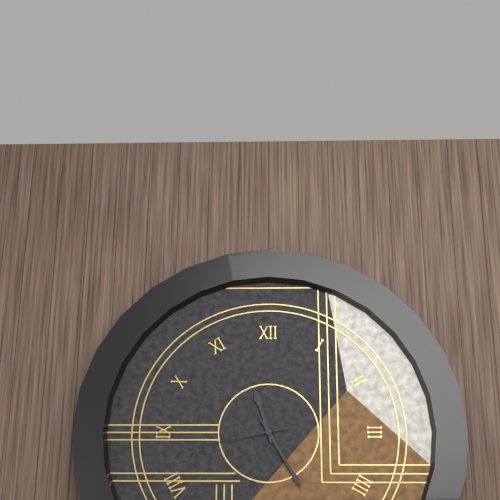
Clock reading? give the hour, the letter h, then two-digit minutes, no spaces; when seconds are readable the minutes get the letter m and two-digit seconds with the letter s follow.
11h25m43s
